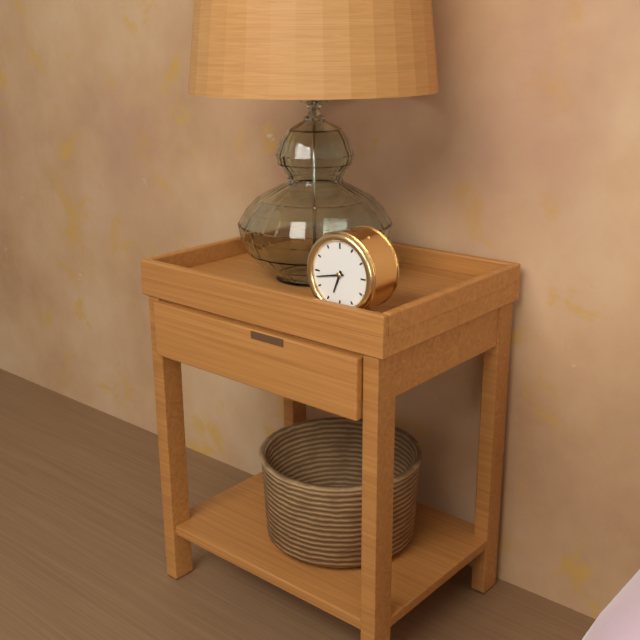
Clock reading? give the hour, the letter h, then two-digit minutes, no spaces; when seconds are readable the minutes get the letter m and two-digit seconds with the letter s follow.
6h43
